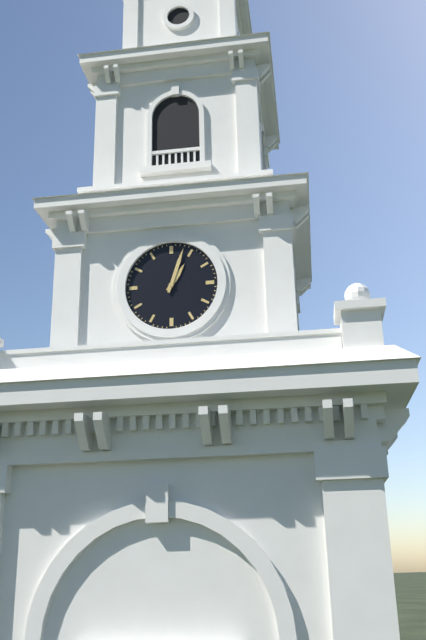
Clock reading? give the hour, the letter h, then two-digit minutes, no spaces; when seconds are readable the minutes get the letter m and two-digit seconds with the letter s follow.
1h03
